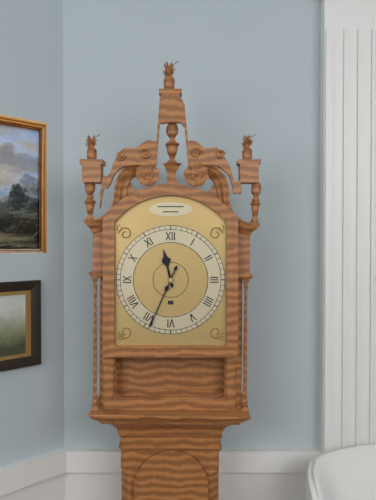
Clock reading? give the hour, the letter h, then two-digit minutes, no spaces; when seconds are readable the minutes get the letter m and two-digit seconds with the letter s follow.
11h34
